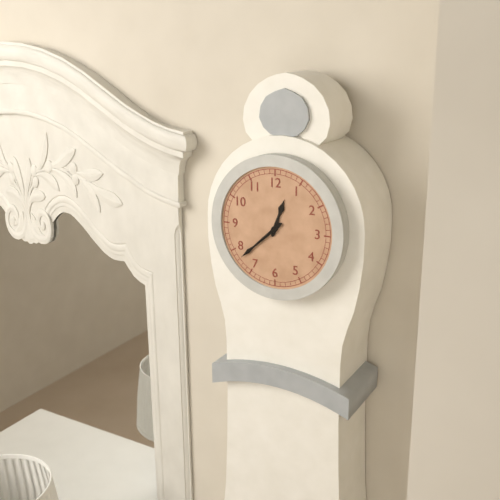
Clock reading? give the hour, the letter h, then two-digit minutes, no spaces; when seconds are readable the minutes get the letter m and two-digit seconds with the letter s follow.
12h38
